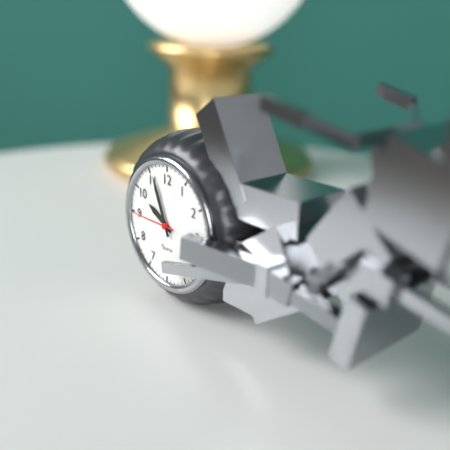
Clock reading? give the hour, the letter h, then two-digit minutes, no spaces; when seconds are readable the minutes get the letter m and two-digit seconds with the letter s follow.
9h56
